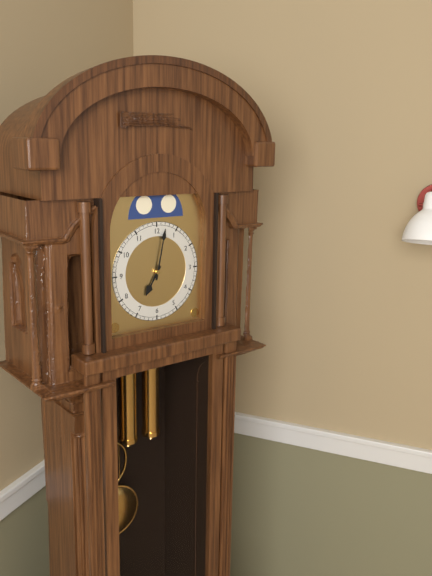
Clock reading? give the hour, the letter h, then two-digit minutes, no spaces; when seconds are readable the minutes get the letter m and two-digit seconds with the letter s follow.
7h02
